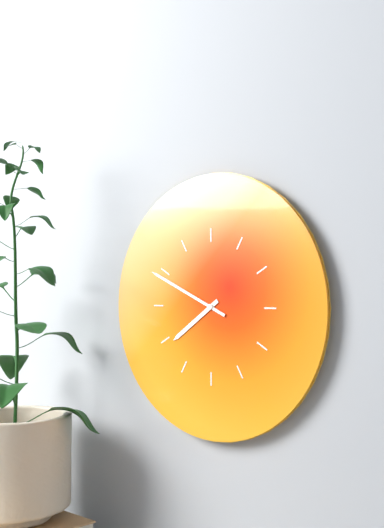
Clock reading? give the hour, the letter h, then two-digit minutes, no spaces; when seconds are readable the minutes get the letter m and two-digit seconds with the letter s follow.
7h49
